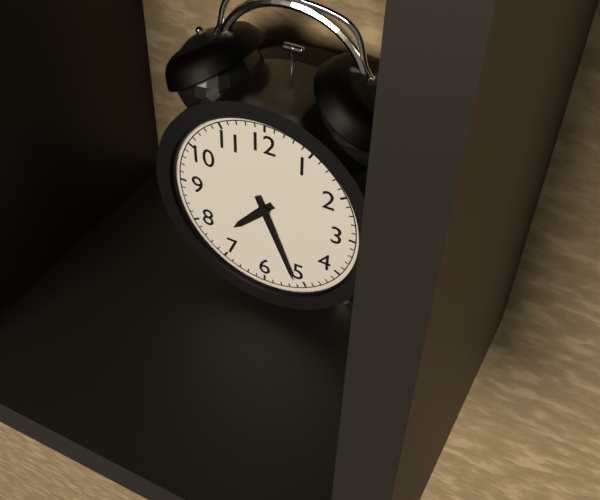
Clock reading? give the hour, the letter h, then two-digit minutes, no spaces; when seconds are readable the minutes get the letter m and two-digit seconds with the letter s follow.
7h26
